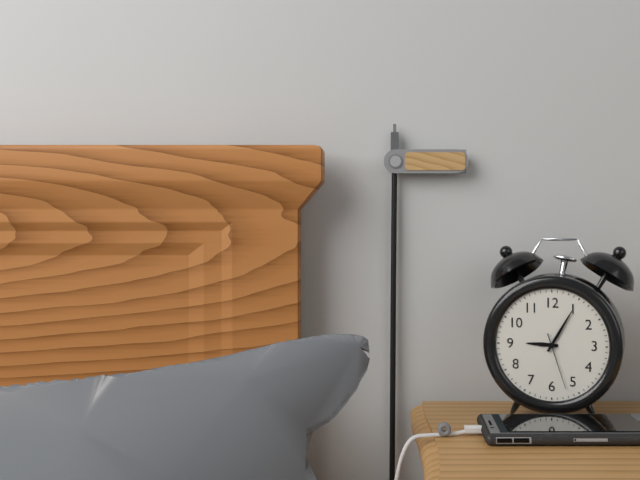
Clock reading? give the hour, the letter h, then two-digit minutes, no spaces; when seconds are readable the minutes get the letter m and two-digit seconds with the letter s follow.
9h05m27s
